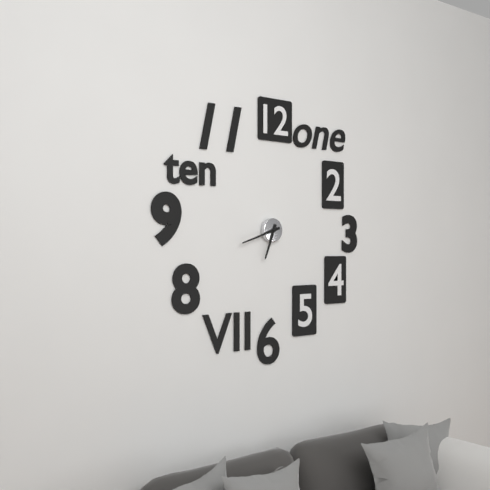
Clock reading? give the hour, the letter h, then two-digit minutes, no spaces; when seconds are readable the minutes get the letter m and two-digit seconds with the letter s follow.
6h42
